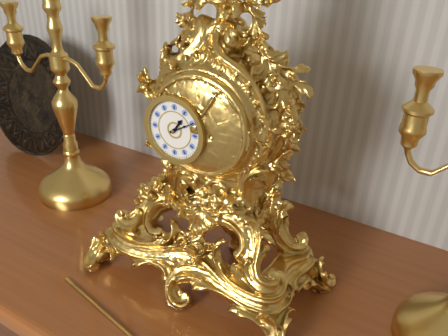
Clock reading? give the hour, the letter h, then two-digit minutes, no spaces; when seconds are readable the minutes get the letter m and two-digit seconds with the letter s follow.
1h10
